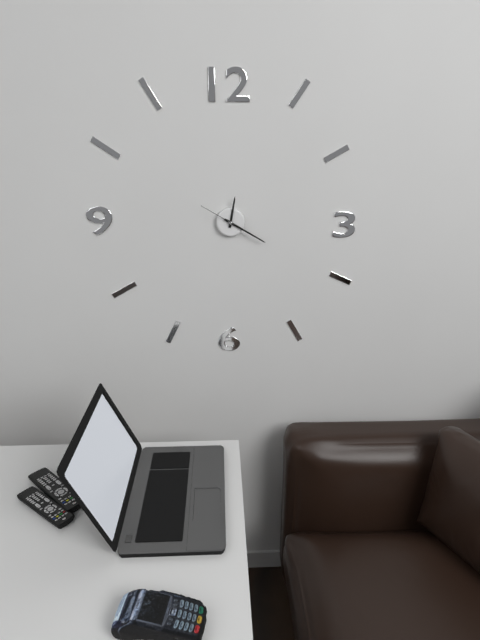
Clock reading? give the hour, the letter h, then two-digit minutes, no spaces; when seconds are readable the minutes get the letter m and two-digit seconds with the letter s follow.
12h20
